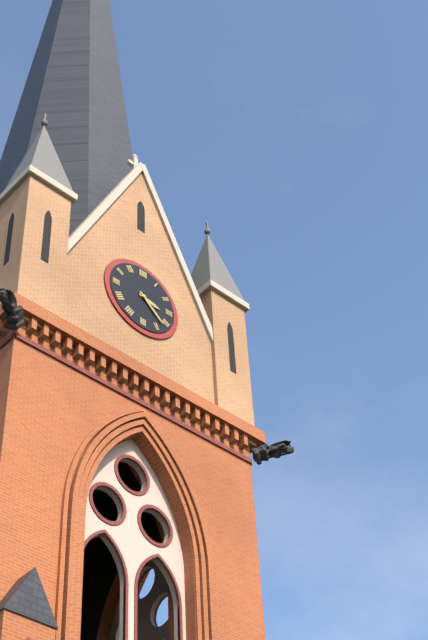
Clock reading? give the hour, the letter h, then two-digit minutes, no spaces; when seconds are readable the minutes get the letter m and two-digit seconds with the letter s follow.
3h22
